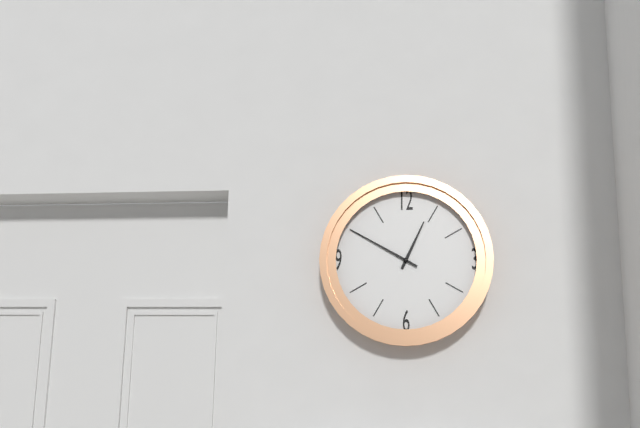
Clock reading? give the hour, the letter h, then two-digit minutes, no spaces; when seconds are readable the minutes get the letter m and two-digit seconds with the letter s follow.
12h50
